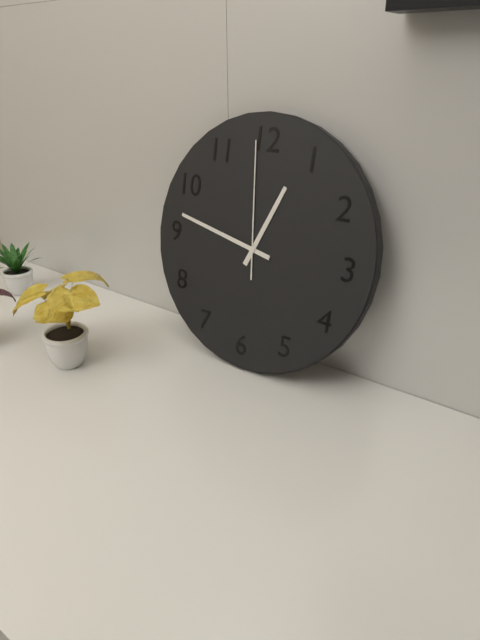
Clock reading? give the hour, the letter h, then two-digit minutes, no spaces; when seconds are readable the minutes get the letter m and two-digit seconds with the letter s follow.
12h47m59s
